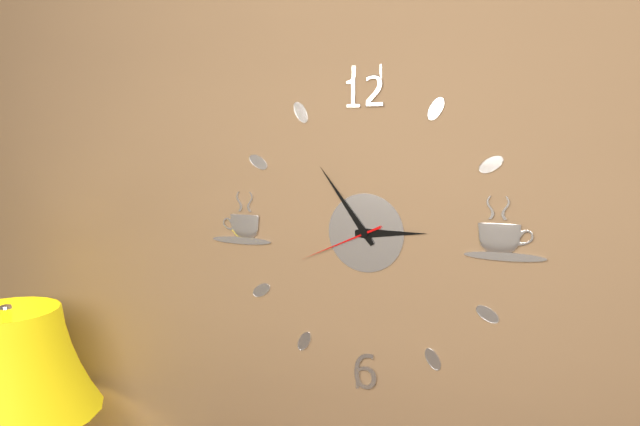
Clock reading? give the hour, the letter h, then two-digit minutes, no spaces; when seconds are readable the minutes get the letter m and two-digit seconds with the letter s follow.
2h54m41s
